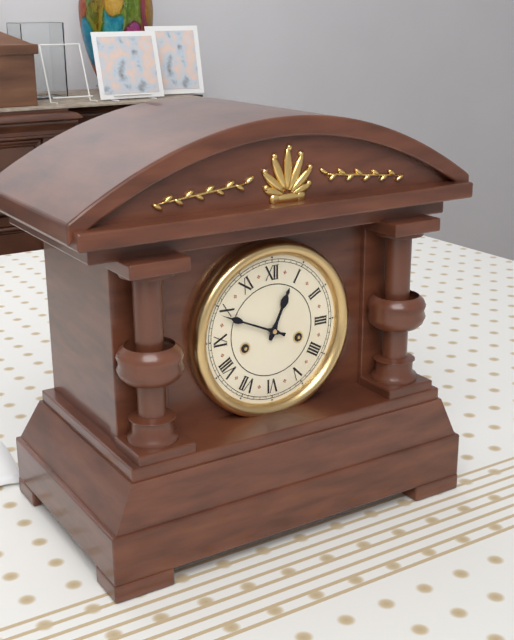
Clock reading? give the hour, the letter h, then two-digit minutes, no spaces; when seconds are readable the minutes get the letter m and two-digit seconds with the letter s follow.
12h49
